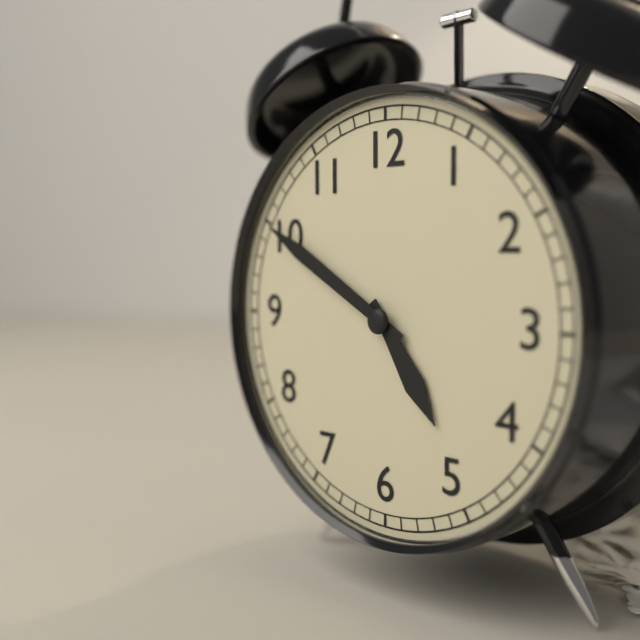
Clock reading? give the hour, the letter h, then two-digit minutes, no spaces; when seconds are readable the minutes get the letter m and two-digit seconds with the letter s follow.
4h50
